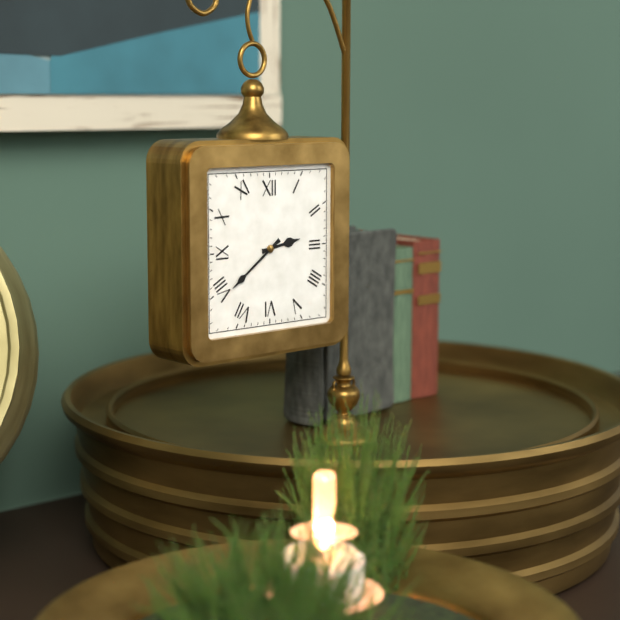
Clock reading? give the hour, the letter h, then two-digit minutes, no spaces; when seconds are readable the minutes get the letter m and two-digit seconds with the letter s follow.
2h39
